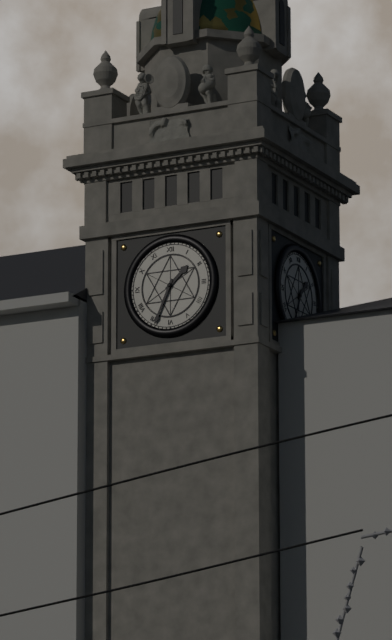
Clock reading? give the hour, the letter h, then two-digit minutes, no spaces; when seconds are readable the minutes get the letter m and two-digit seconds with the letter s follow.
1h34
